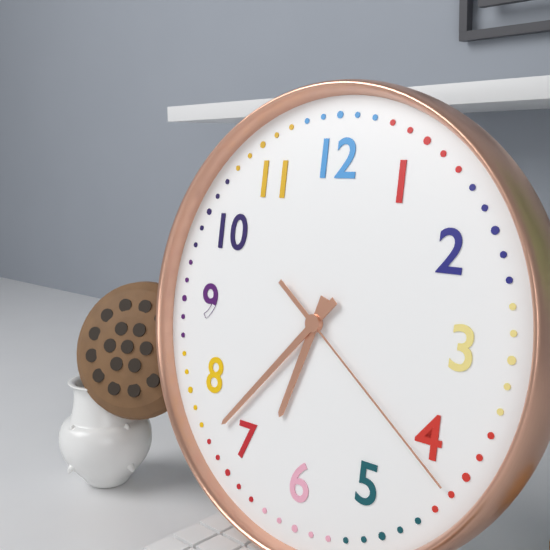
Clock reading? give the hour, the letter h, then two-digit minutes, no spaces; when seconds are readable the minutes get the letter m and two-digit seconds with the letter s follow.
6h37m21s
